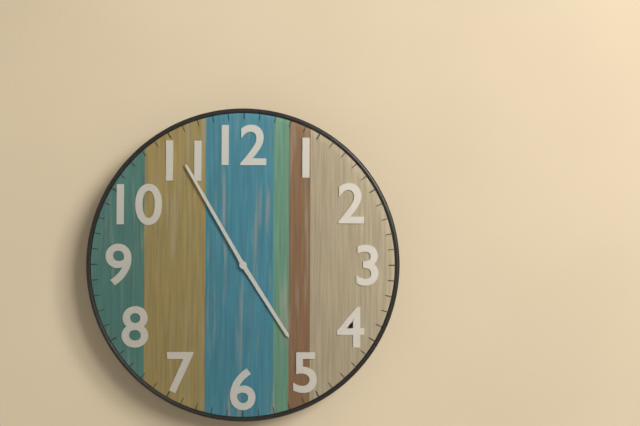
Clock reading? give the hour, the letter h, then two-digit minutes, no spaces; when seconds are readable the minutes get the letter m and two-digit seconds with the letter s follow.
4h55
